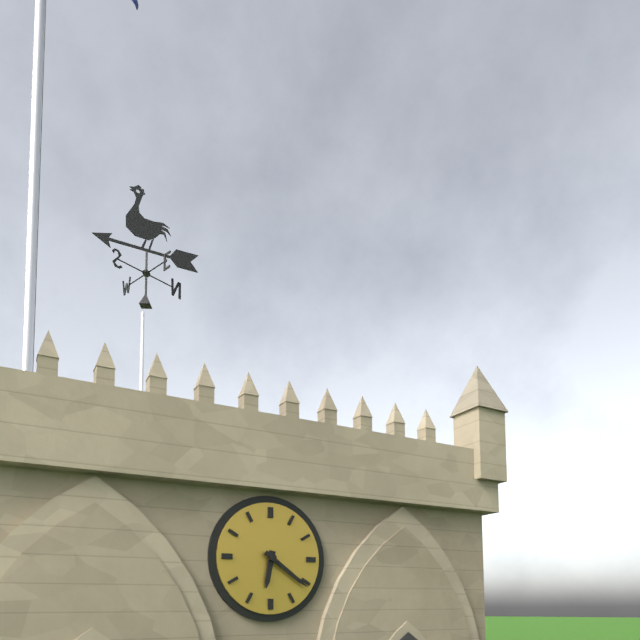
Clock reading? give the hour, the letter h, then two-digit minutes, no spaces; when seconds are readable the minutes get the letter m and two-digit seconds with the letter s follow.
6h21
